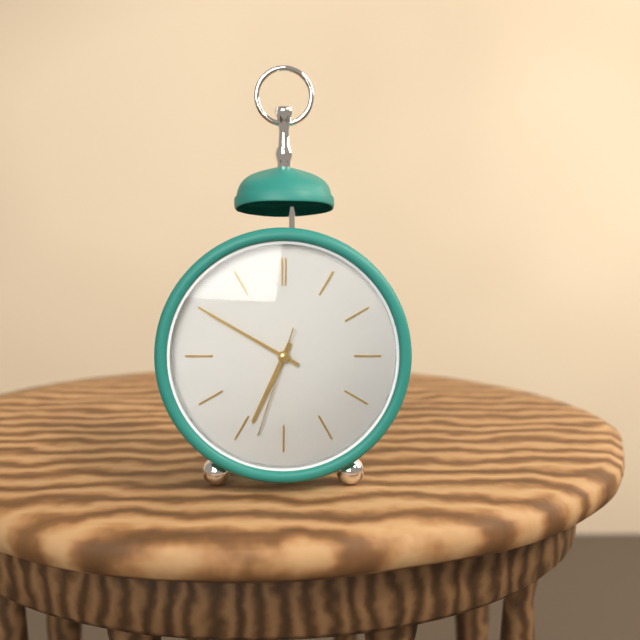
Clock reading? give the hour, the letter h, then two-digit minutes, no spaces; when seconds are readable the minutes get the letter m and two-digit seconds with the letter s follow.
6h50m33s
